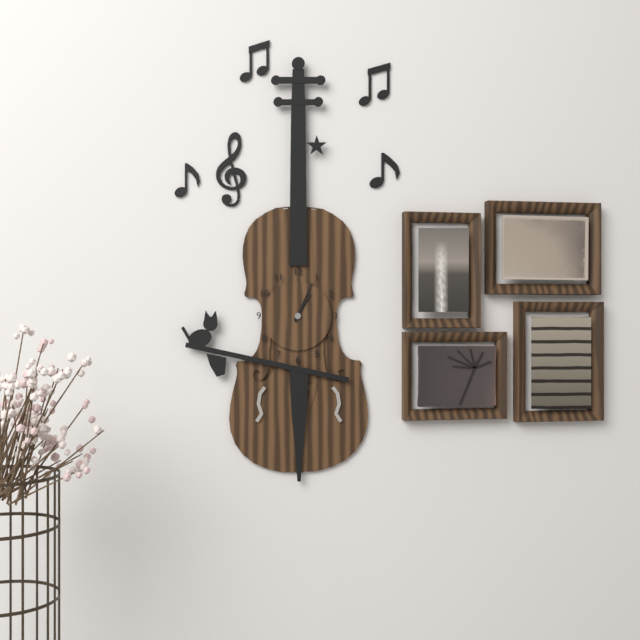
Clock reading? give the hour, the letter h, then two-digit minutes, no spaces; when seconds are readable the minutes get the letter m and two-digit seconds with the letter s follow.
1h04
